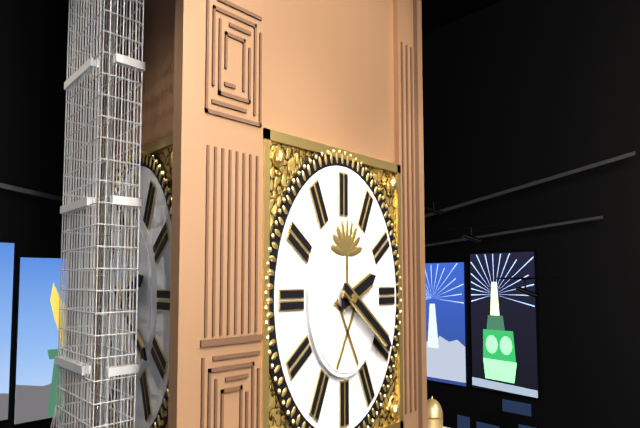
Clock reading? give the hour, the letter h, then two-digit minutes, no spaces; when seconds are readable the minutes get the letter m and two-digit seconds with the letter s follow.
2h20
